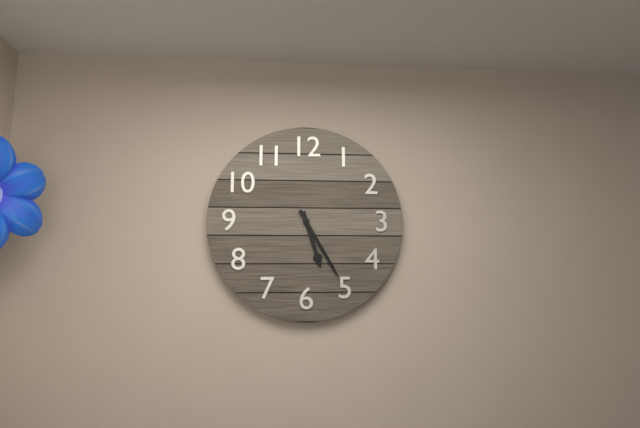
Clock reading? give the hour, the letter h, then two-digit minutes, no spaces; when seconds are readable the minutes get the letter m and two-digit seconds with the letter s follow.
5h25
